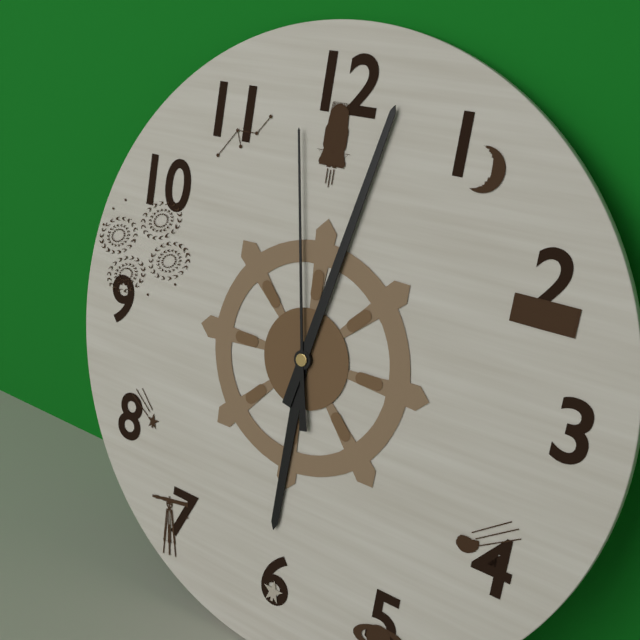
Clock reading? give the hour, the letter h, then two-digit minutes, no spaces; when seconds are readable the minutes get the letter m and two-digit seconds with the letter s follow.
6h02m58s
